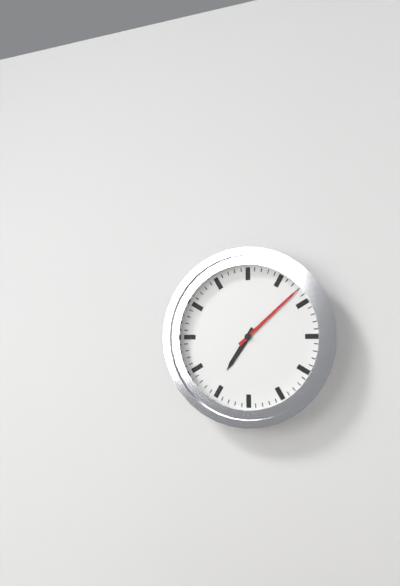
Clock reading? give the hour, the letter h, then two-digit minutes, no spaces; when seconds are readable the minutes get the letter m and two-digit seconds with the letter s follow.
7h08
